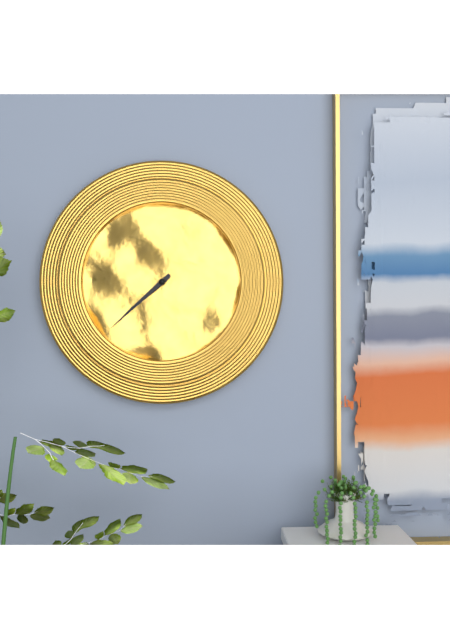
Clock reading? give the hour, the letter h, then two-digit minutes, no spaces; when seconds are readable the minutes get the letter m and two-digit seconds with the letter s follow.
7h38
